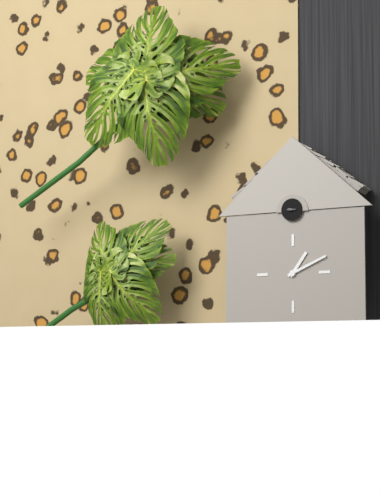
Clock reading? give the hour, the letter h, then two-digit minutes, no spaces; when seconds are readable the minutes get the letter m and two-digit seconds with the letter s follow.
1h11
